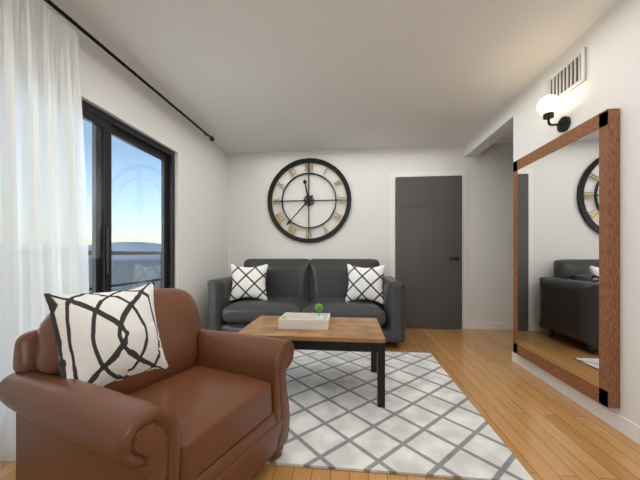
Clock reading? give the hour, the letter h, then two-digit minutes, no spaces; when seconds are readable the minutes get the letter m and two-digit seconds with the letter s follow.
11h37
